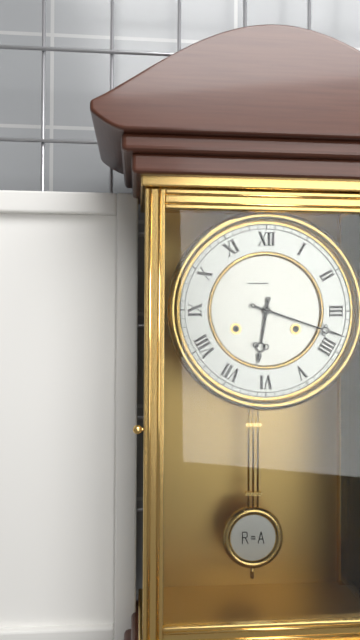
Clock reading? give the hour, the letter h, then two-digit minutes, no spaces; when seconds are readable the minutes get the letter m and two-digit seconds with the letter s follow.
6h18
